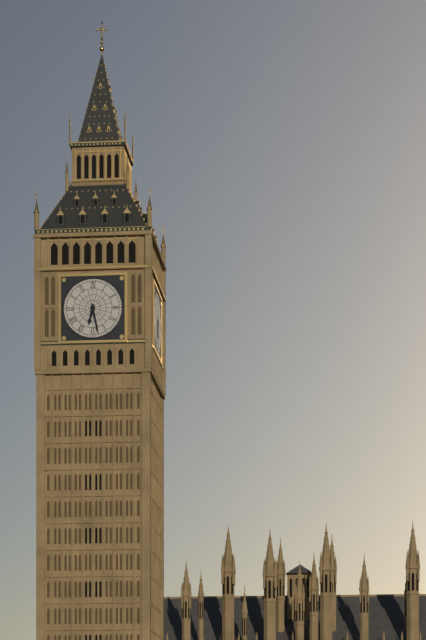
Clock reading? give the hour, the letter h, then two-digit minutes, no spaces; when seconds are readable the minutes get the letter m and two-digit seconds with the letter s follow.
6h28
